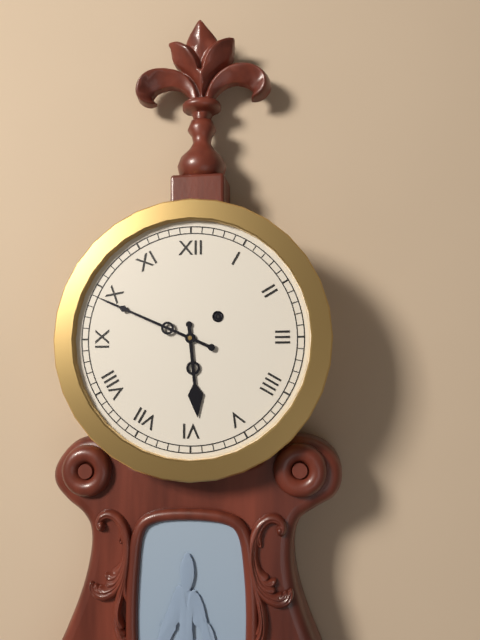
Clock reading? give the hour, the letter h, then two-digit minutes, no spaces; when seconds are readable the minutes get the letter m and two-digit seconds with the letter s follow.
5h49
